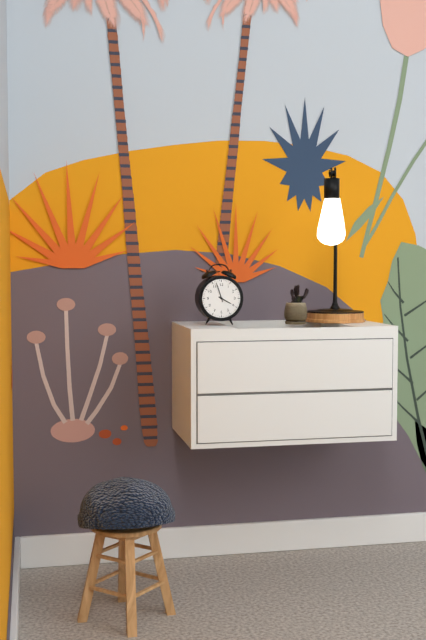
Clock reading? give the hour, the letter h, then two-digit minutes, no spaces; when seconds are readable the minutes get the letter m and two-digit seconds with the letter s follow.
3h57
